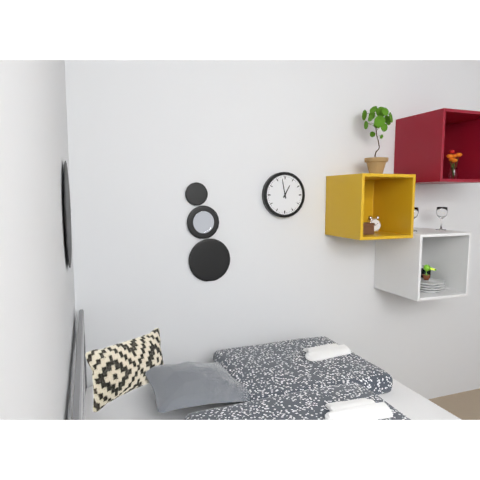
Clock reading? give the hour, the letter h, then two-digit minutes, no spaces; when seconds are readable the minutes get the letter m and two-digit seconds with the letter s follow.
12h58
